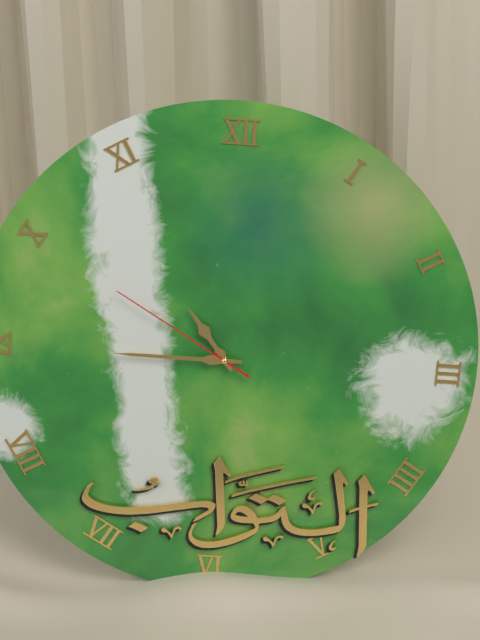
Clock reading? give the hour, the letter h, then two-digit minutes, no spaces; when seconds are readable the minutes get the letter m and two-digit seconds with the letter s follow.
10h45m50s
